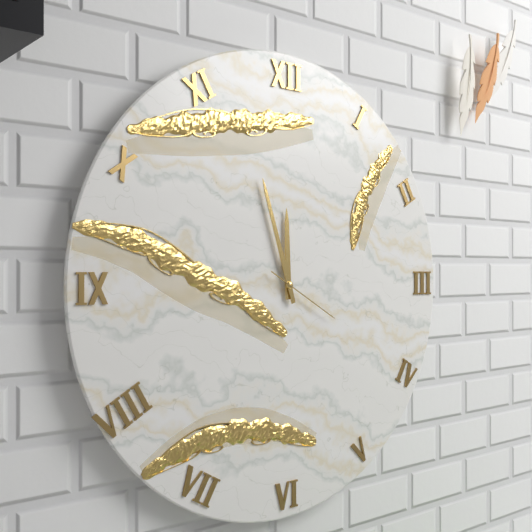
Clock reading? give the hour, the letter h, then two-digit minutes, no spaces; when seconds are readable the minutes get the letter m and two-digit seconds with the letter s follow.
11h57m20s
